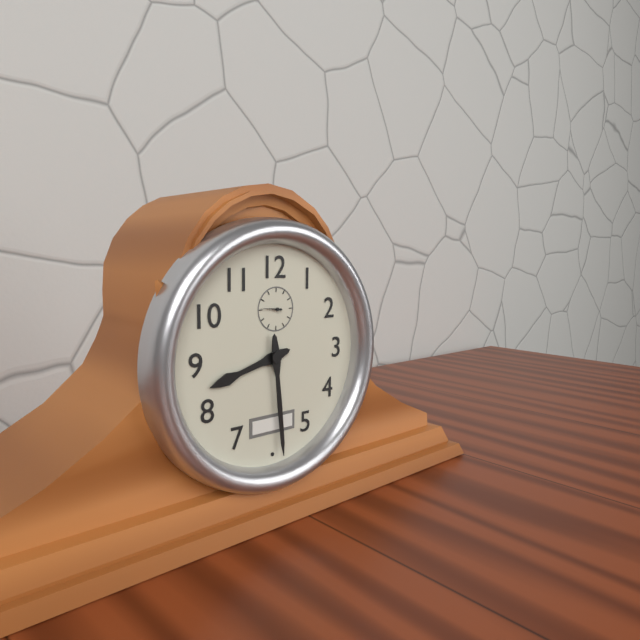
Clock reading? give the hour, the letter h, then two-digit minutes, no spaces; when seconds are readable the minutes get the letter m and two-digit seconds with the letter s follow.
8h29
